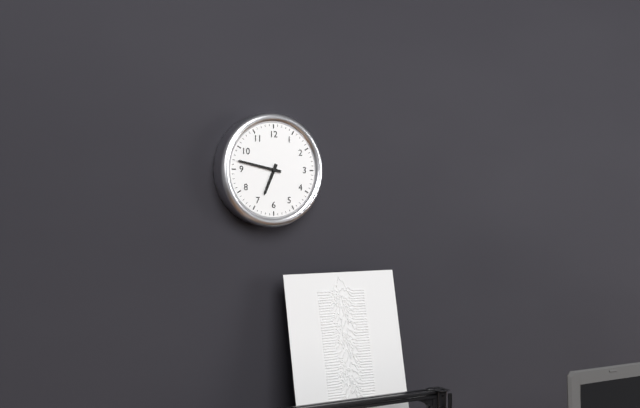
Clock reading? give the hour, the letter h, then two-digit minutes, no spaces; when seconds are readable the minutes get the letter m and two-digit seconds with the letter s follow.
6h47
